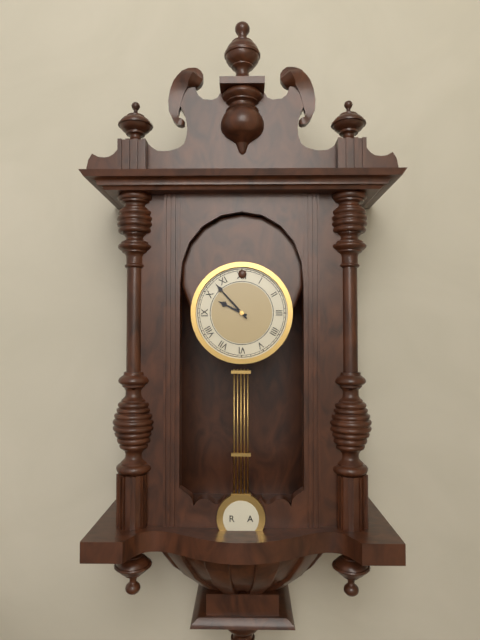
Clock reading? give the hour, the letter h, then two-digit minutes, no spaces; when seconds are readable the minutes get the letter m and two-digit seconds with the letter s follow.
9h53
